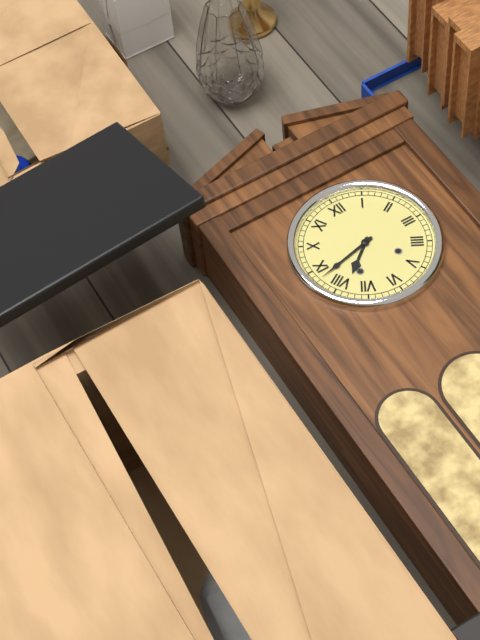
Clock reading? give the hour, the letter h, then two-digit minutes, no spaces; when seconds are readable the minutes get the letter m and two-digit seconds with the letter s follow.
7h43
